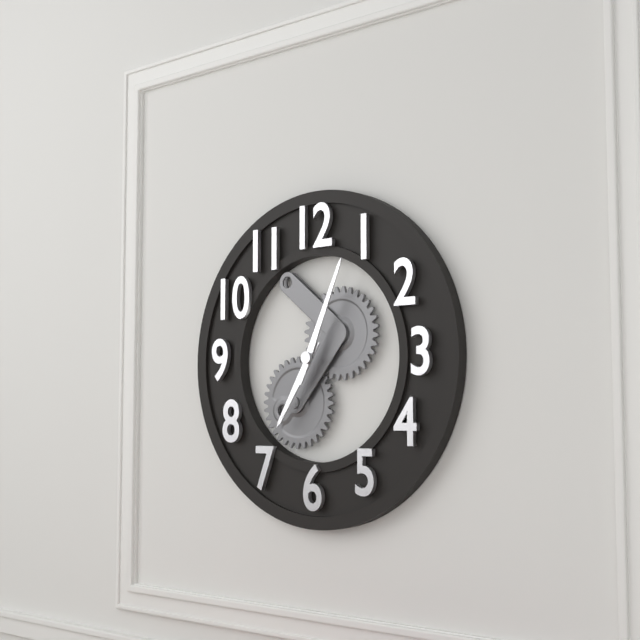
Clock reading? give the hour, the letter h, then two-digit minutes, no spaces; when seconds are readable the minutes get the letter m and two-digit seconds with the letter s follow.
7h04
